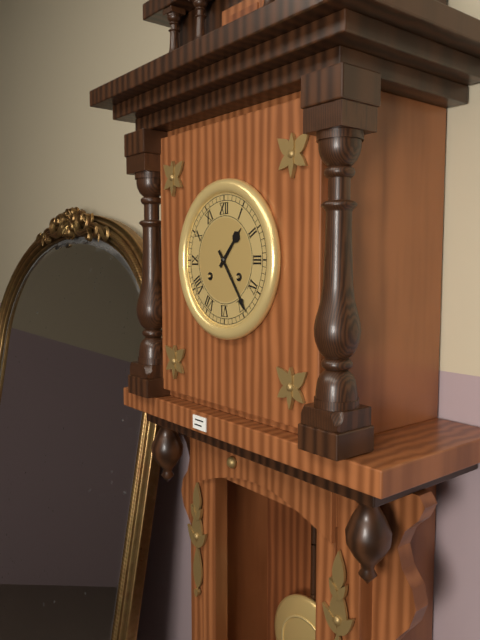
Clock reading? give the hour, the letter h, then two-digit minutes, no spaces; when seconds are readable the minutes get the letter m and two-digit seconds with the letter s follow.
1h24
